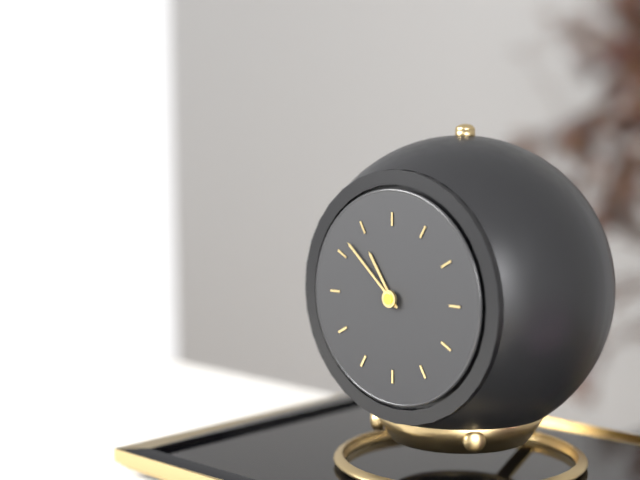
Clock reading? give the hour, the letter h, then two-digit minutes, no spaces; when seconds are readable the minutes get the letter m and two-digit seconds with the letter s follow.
10h52
